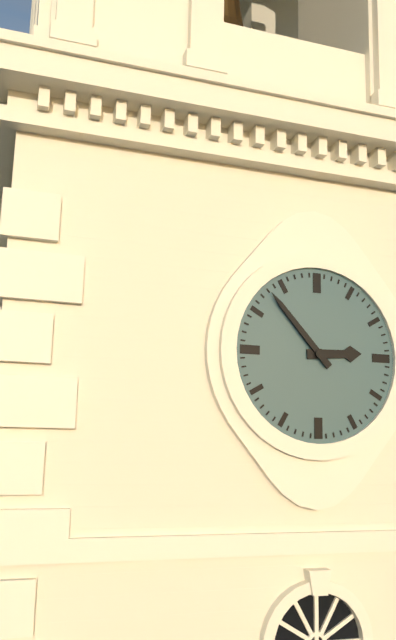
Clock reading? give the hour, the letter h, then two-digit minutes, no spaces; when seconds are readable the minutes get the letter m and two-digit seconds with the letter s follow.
2h53
